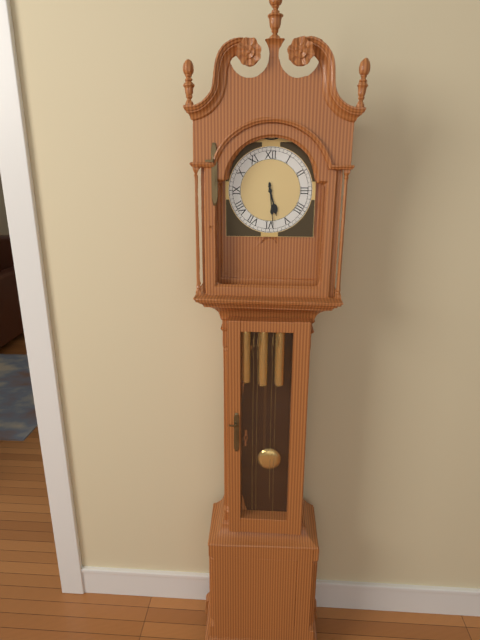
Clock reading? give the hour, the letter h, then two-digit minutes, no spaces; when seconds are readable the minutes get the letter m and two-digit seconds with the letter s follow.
5h29
